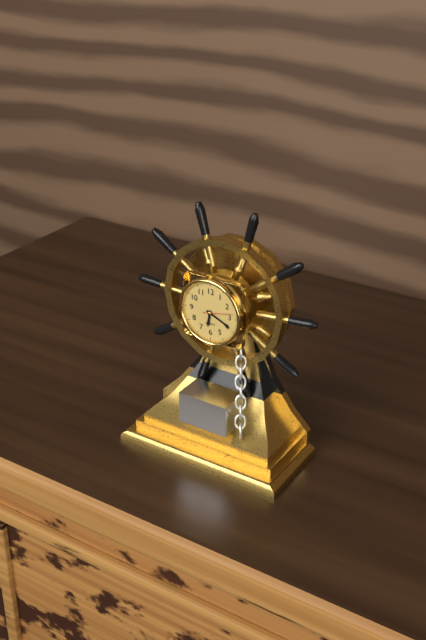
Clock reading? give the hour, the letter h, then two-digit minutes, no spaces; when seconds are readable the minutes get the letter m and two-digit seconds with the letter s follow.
6h19
